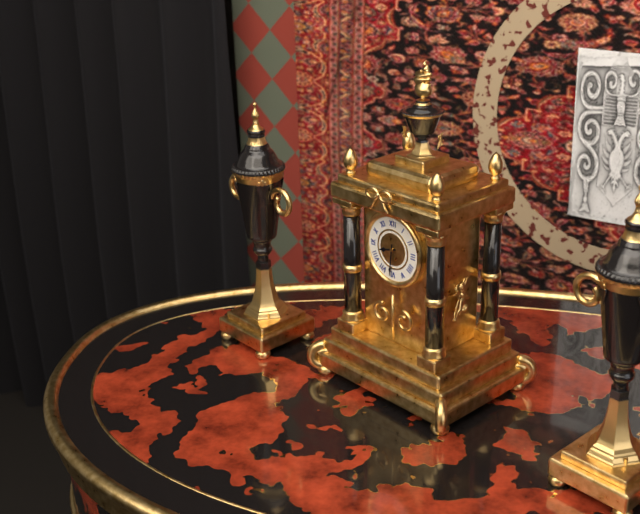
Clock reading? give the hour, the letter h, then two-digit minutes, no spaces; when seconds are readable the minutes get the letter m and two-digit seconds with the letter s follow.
8h31
